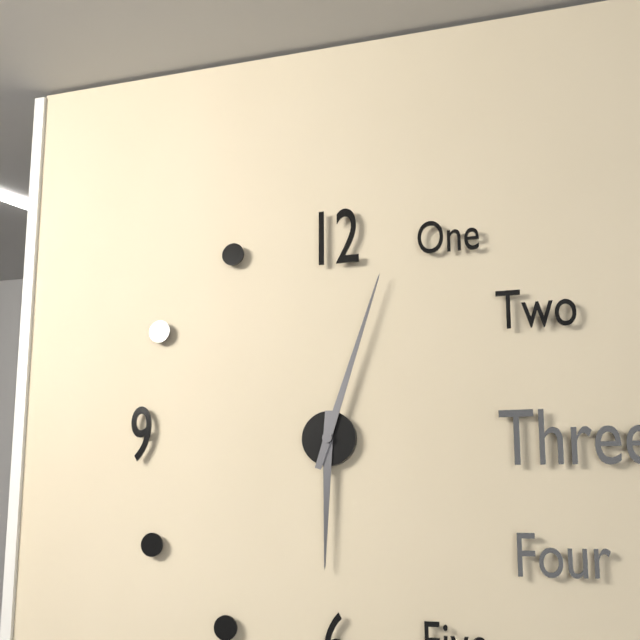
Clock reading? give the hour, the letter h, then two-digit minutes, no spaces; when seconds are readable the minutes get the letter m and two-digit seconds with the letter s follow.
6h03
